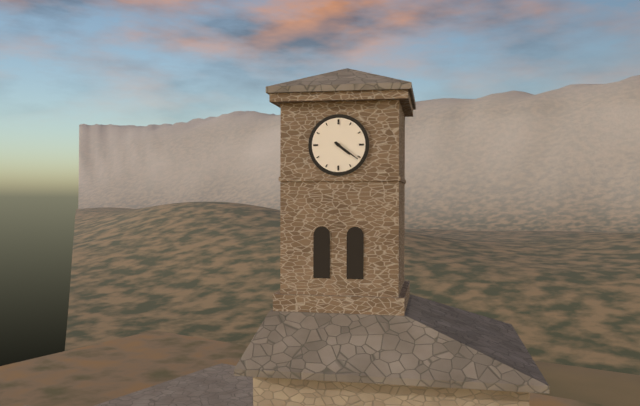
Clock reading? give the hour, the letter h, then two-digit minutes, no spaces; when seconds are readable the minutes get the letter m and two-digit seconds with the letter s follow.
4h21
